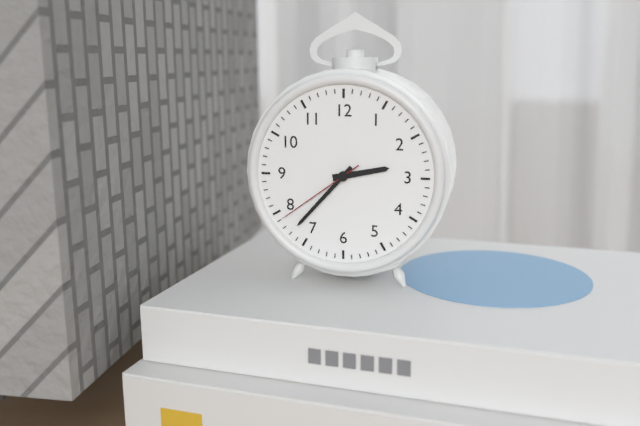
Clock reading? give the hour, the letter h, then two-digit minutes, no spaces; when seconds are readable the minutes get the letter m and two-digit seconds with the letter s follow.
2h37m39s
